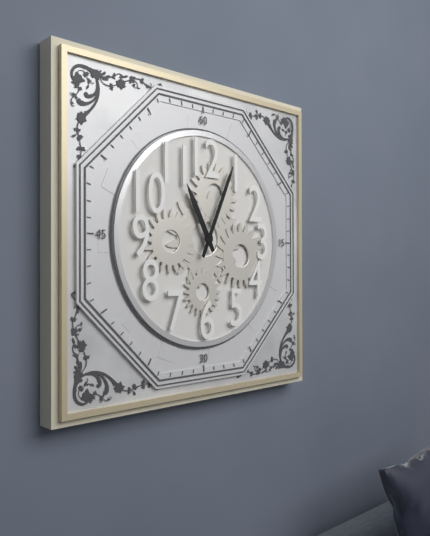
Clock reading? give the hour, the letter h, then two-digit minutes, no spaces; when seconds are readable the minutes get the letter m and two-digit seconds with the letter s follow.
11h04
